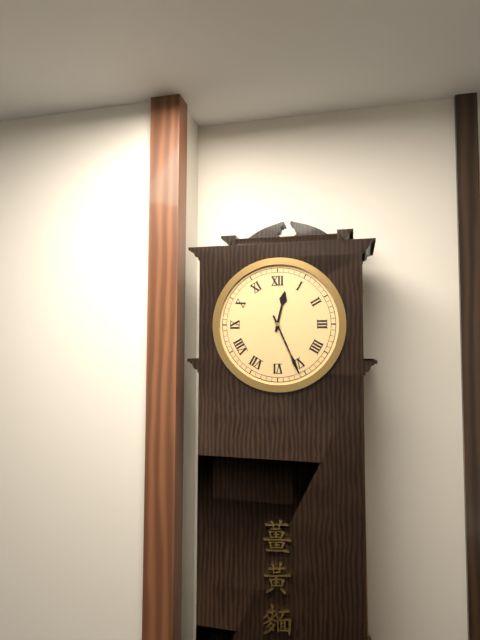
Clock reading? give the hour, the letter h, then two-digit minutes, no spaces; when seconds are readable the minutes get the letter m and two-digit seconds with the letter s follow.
12h26
